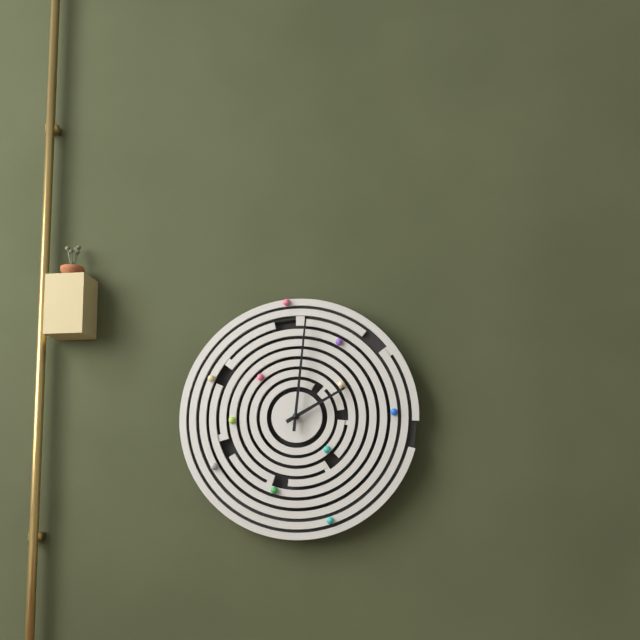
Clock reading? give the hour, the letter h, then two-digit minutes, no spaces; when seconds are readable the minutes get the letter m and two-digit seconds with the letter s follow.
2h01
